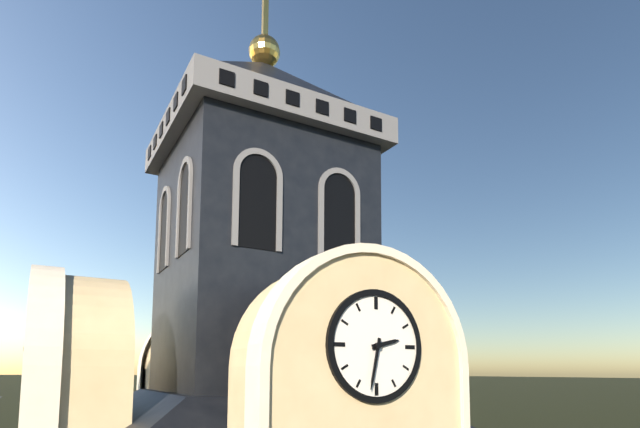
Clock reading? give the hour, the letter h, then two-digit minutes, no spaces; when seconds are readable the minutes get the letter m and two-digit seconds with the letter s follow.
2h32
